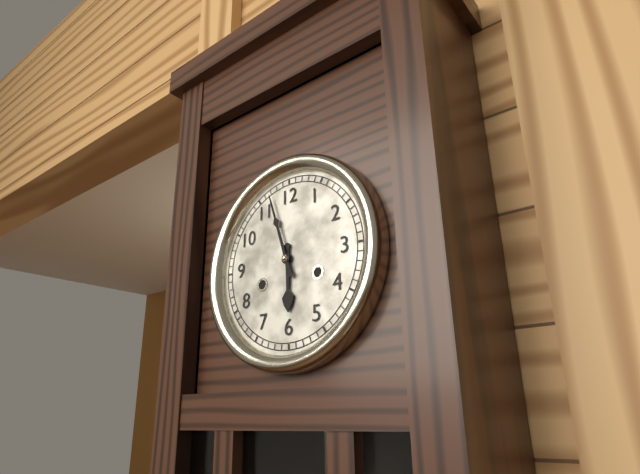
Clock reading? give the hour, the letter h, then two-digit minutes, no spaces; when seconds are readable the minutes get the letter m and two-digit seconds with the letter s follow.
5h57
